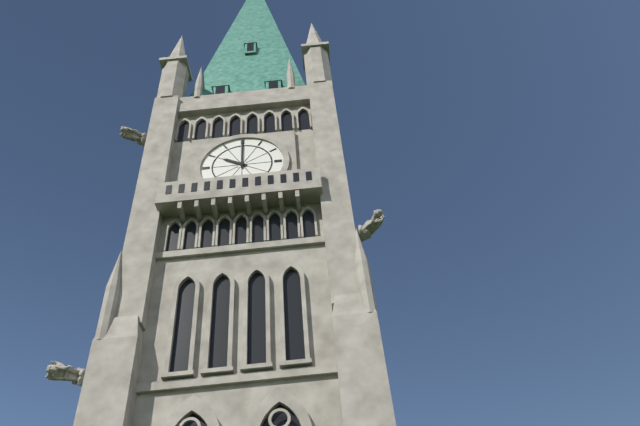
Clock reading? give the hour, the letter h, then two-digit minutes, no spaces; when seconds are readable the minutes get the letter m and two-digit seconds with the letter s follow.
10h00
